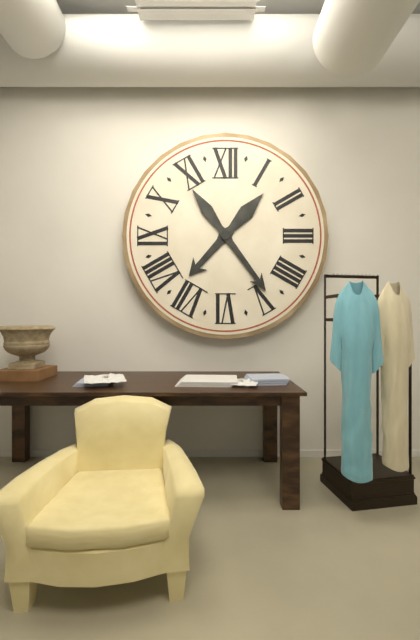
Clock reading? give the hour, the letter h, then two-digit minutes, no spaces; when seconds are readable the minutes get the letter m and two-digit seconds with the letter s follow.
7h24
